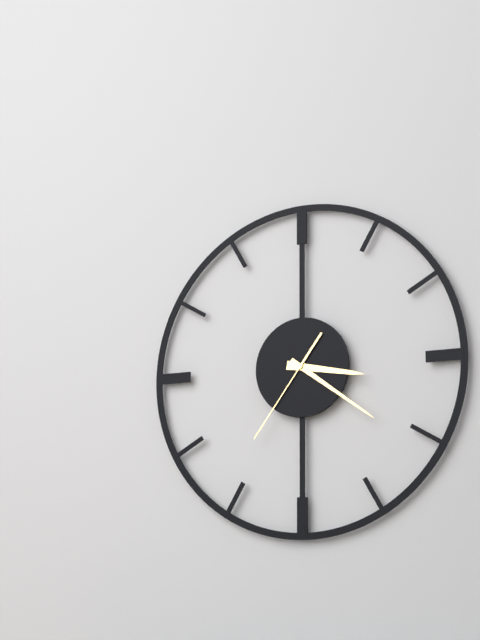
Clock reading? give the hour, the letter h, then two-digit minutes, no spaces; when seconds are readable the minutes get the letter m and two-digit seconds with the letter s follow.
3h21m36s
